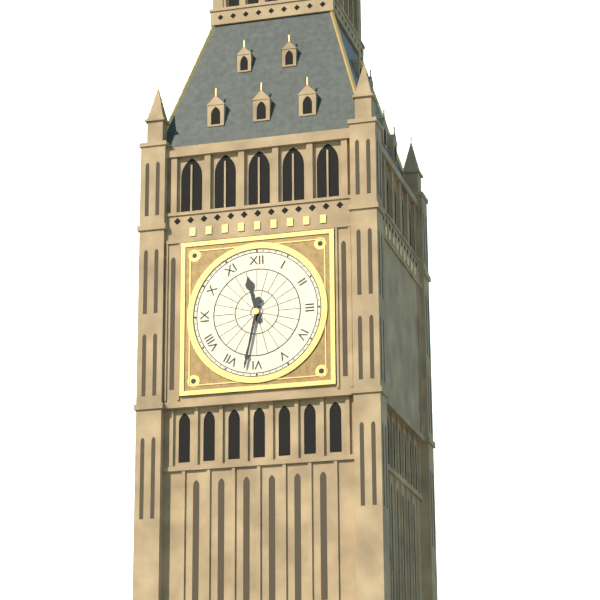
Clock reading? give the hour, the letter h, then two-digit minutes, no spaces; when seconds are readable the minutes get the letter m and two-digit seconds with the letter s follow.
11h32
